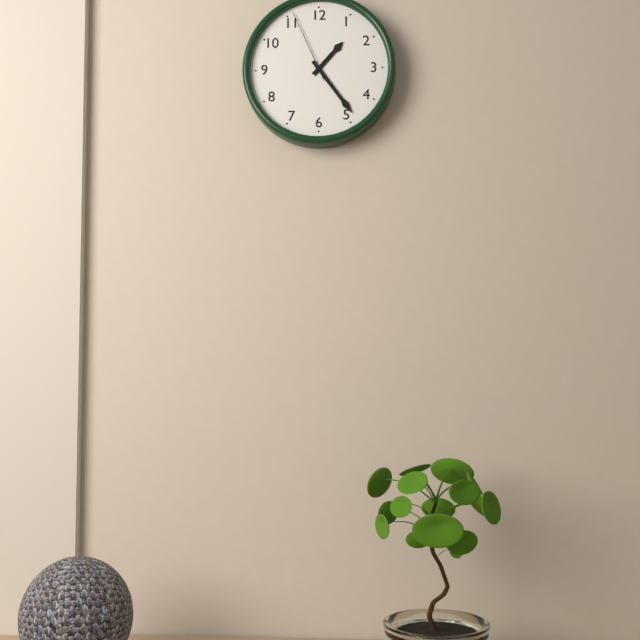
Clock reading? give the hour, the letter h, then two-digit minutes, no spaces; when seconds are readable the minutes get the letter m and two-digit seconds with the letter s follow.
1h24m56s
